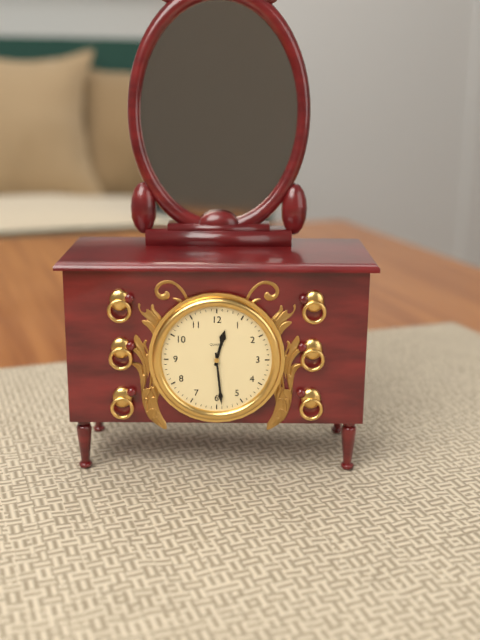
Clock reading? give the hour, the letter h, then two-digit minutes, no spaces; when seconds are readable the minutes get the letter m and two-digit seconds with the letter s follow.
12h29
